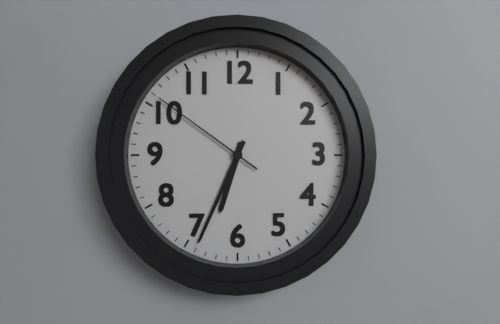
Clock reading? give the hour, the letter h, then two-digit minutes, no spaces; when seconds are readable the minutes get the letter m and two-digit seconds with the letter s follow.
6h34m51s
